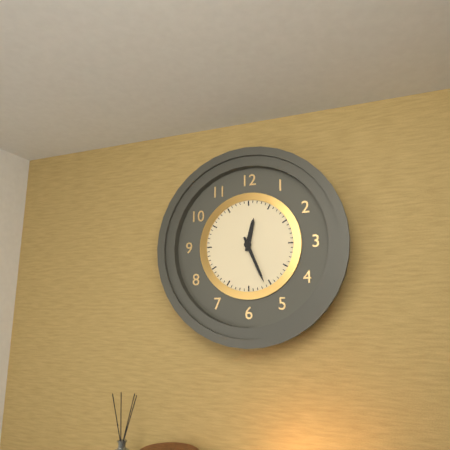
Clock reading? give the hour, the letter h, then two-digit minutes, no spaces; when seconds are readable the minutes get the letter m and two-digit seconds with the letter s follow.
12h26
